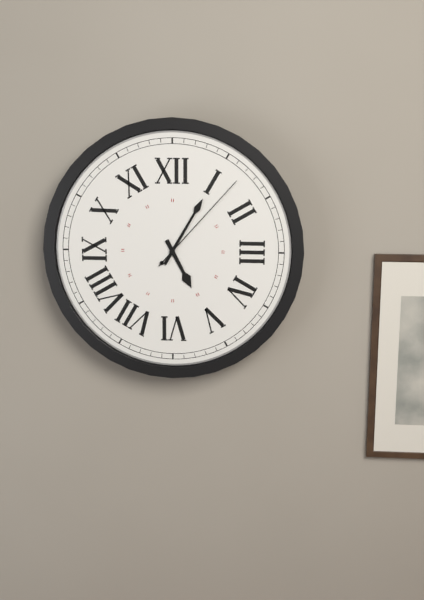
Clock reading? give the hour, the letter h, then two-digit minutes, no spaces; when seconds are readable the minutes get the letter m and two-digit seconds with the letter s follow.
5h05m07s
